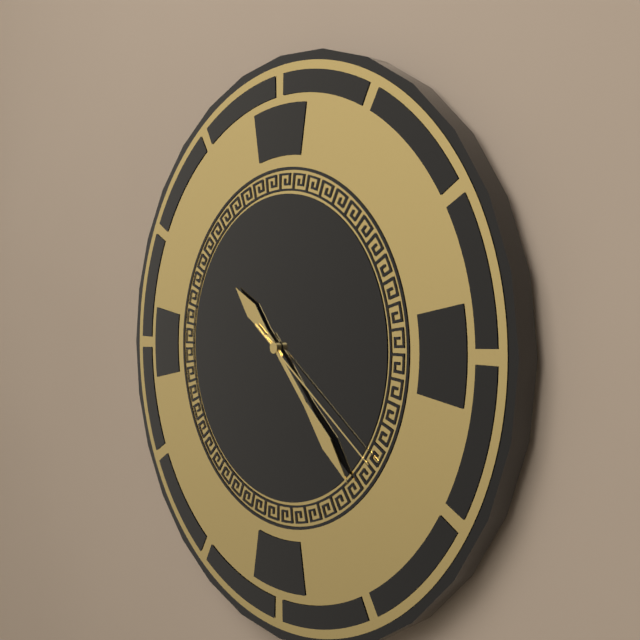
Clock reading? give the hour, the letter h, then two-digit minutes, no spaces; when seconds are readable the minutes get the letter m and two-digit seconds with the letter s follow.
10h23m21s
